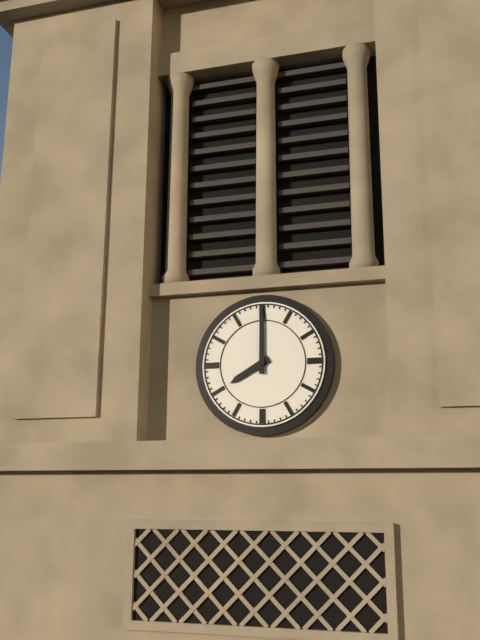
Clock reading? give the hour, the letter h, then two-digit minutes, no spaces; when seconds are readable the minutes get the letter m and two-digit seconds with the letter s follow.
8h00
